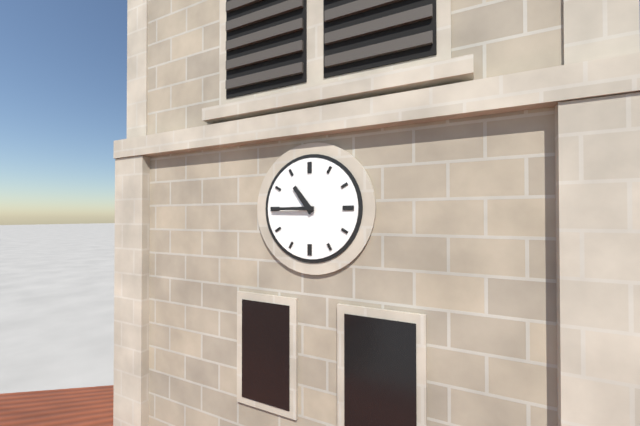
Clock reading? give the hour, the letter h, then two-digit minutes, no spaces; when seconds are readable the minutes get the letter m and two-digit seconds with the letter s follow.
10h45
